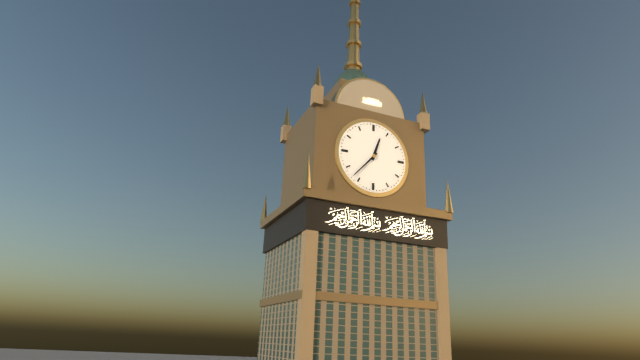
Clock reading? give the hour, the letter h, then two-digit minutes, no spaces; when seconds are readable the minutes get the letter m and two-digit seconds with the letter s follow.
12h37
